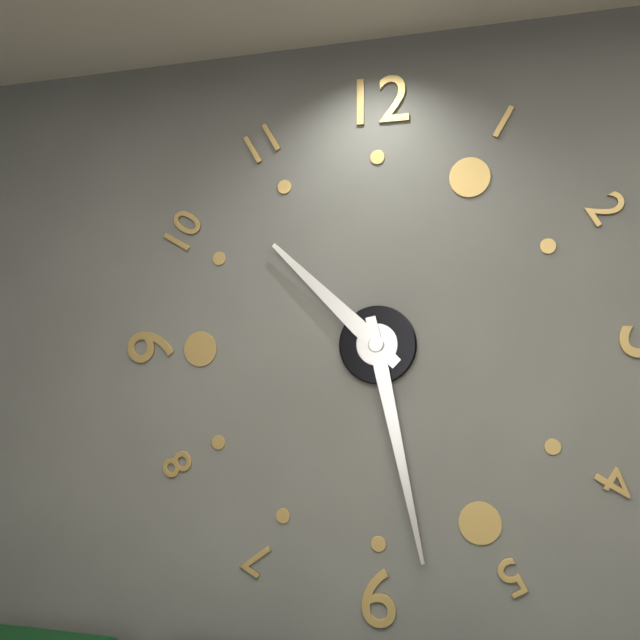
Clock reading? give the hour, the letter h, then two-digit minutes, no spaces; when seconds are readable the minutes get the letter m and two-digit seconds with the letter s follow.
10h28
